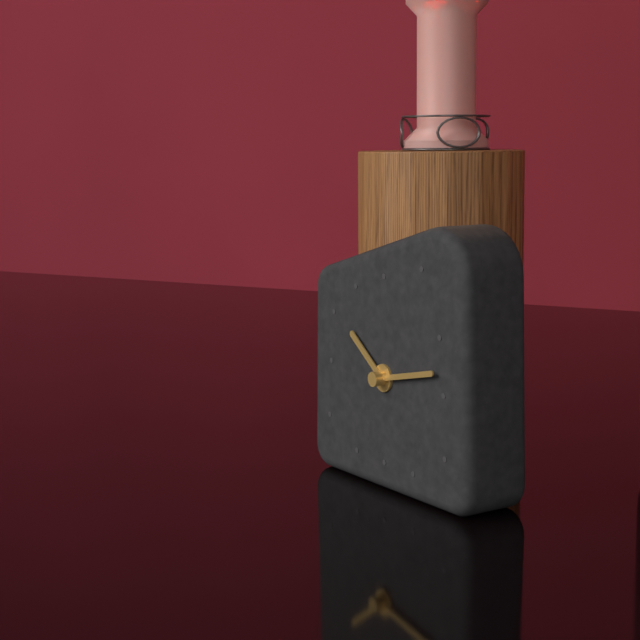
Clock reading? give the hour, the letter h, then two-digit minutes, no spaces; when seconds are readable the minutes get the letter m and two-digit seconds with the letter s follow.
10h13
